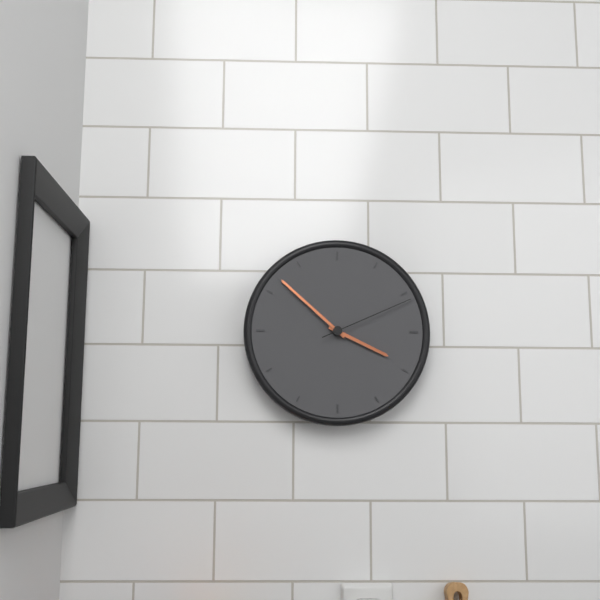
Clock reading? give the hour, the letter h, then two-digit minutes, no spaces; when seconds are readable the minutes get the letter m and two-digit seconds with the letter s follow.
3h52m11s
